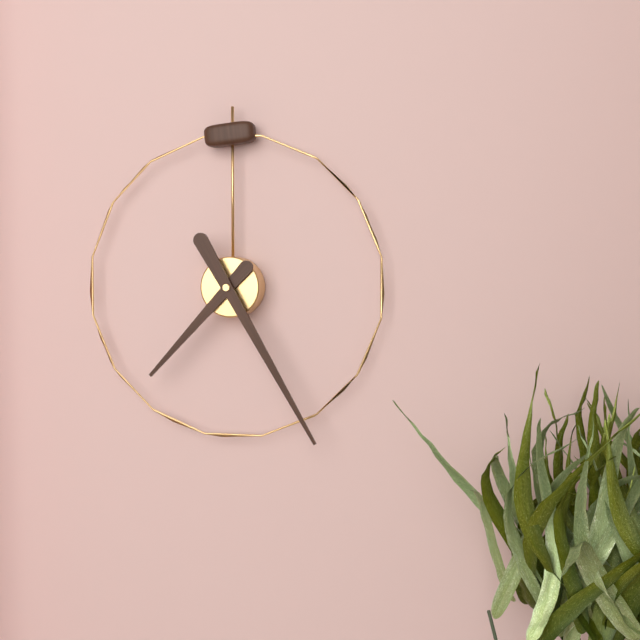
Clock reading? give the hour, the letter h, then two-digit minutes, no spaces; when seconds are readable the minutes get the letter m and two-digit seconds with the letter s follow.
7h25
